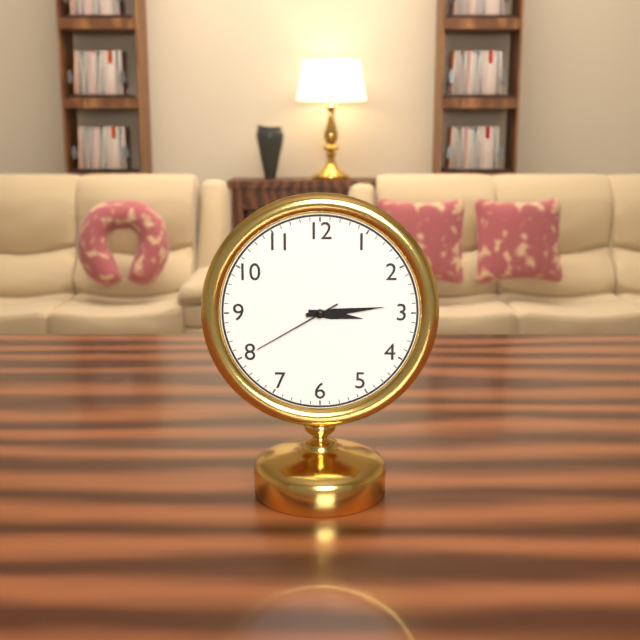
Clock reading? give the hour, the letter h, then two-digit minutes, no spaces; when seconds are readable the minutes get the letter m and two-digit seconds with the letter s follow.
3h14m40s
